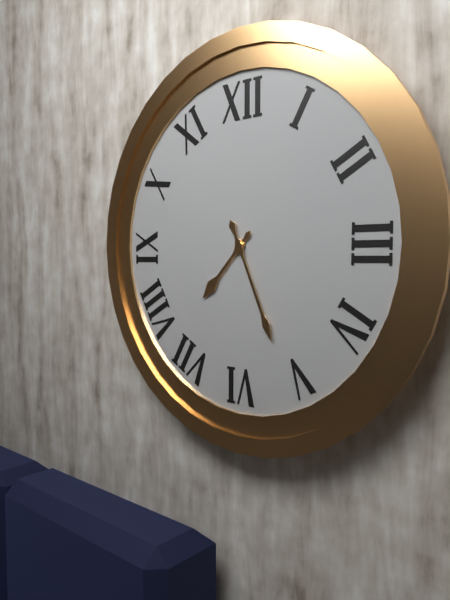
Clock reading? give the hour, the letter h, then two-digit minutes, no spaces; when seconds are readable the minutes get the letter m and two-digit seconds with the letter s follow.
7h26
